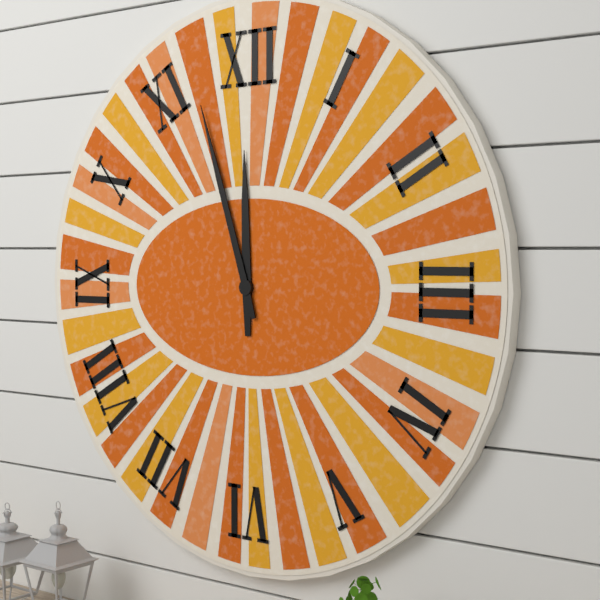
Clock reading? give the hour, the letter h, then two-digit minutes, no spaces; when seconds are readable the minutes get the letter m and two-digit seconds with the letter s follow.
11h57
